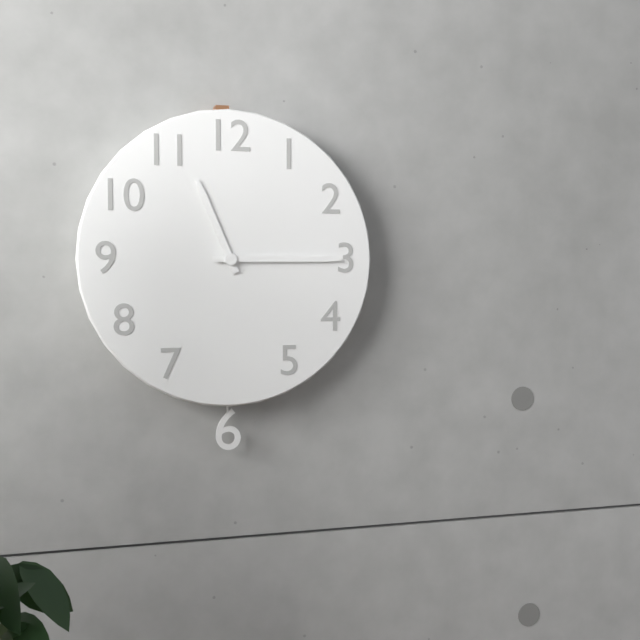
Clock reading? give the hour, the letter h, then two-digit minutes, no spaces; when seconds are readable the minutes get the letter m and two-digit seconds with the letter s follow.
11h15
